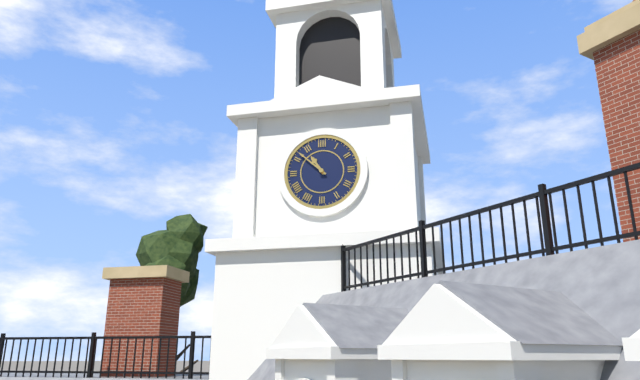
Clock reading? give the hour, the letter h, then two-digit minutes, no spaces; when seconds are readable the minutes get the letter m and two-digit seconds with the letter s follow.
10h52
